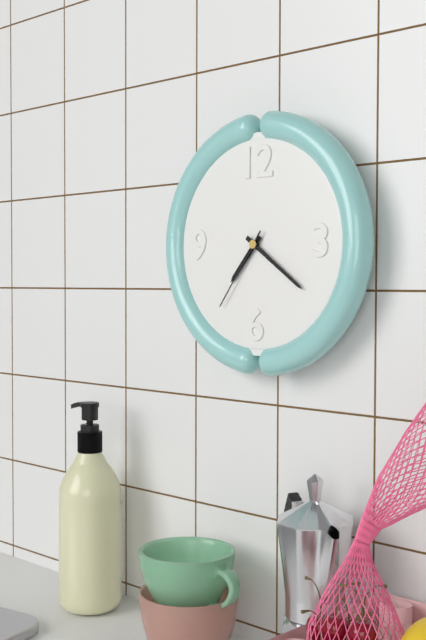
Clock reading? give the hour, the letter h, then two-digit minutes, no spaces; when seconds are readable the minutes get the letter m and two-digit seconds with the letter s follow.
7h21m36s
